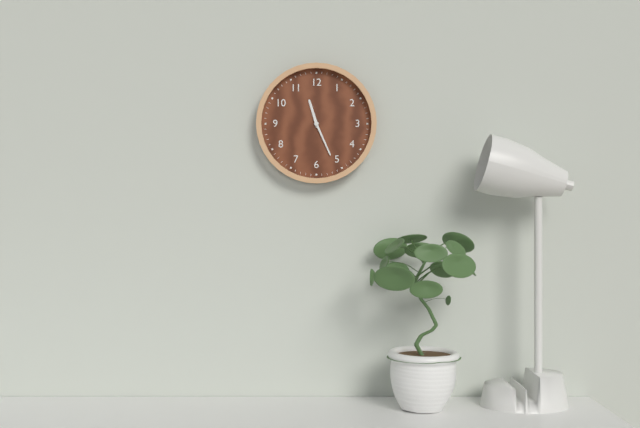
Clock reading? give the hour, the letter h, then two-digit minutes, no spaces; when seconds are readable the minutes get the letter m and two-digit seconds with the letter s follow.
11h26
